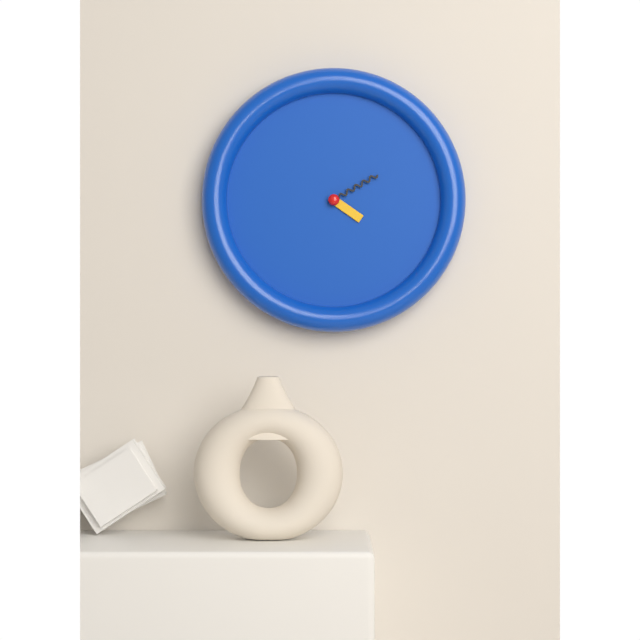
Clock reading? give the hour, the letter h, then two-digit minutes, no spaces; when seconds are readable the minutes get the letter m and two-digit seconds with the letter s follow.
4h10
